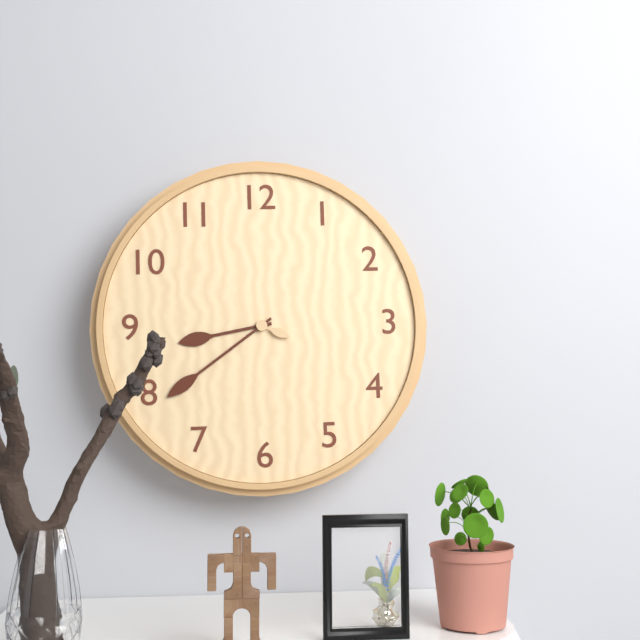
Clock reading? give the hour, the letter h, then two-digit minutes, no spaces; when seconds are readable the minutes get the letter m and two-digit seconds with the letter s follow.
8h39
